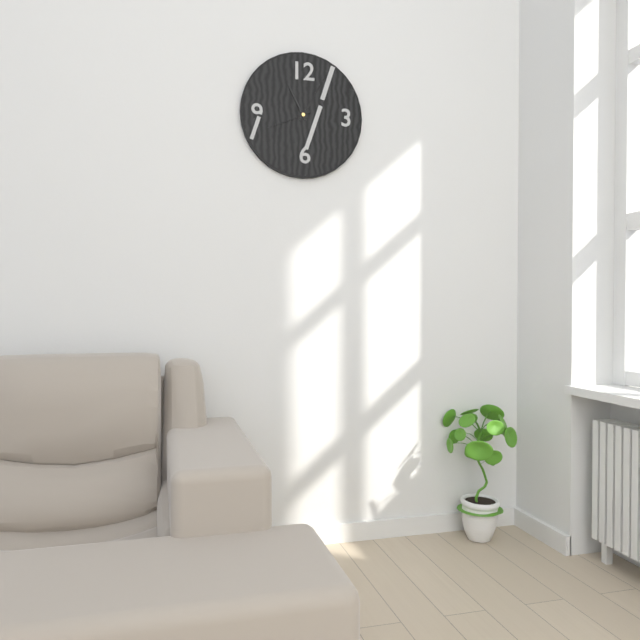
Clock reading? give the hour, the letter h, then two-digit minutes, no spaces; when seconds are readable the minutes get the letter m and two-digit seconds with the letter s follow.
11h05
